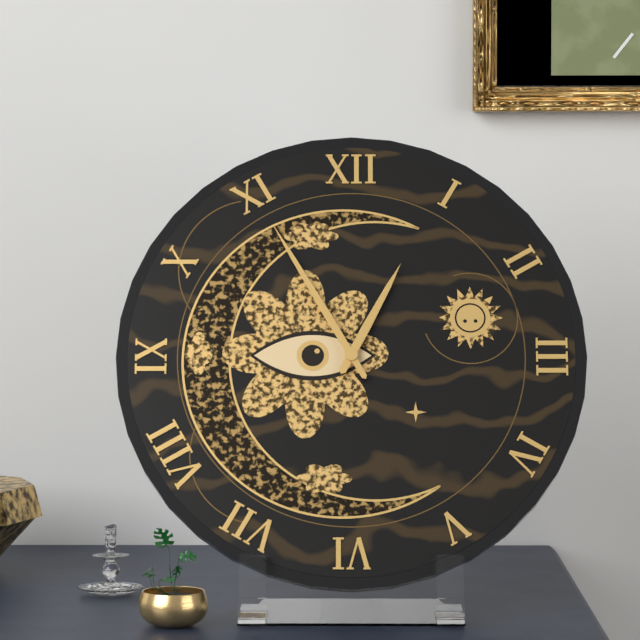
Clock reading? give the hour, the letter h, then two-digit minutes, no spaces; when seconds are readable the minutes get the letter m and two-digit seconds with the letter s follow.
12h55
